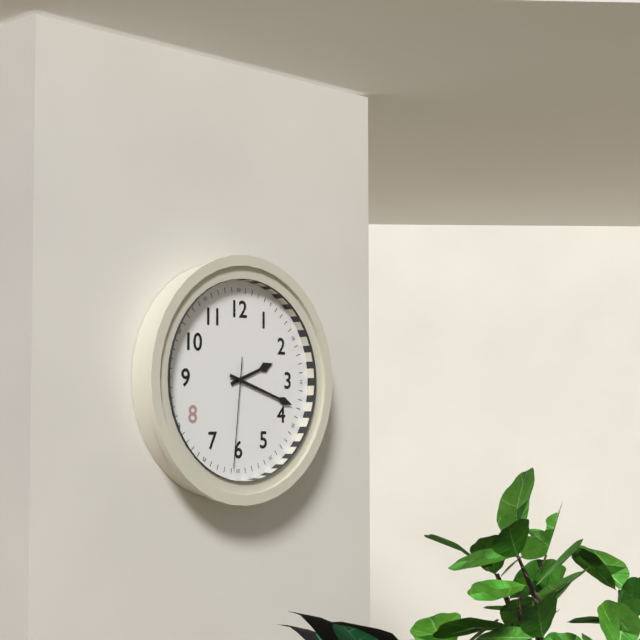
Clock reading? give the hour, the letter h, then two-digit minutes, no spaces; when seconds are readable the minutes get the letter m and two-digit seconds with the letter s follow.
2h18m31s
